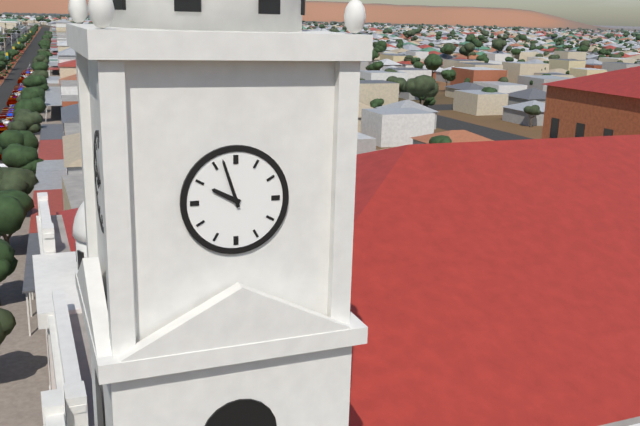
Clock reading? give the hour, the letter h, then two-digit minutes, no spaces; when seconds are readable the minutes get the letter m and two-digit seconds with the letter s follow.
9h57
